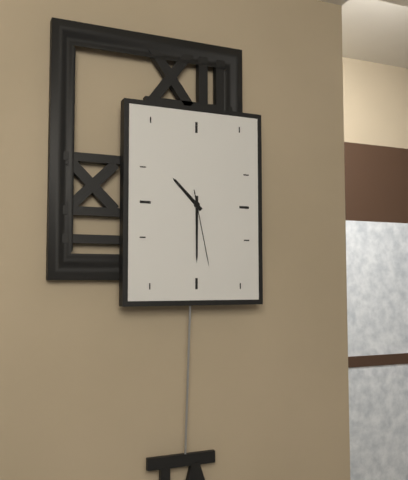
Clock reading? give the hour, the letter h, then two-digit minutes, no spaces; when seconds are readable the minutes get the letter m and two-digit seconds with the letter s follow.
10h30m28s
